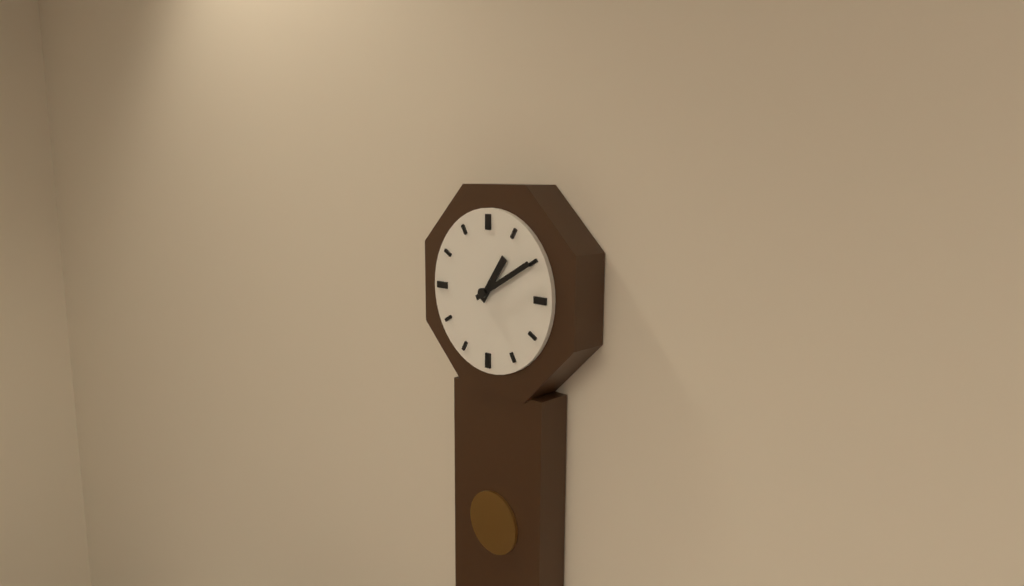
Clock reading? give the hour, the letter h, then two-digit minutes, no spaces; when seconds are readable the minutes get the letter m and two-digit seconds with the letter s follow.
1h10
